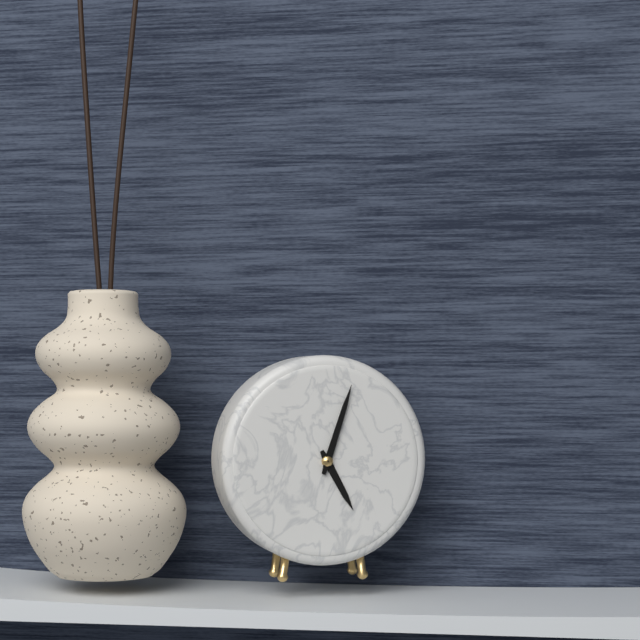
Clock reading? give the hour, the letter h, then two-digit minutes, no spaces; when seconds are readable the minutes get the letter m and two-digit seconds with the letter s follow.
5h03
